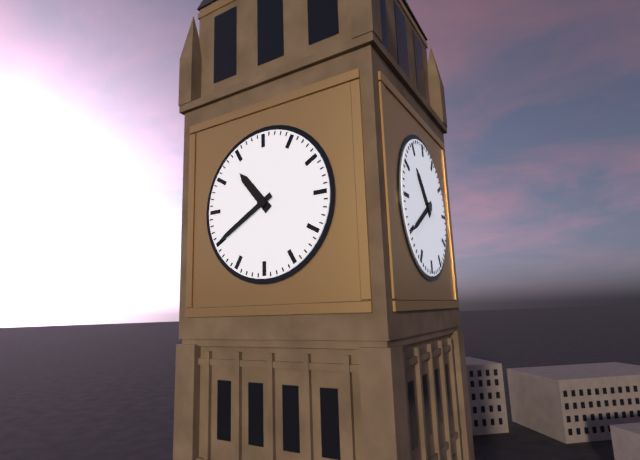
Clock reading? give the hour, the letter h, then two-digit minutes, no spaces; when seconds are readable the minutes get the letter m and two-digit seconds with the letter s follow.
10h40
